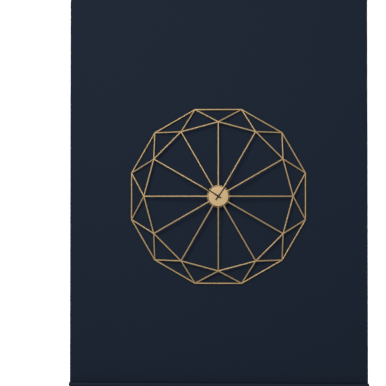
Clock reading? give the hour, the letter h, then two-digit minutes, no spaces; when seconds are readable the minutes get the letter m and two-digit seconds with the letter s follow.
10h06
